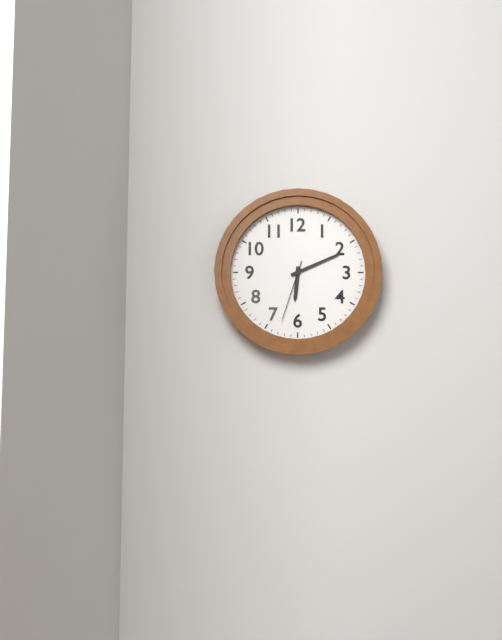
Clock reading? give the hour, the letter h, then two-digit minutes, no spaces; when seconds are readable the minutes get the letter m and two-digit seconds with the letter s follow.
6h11m33s
